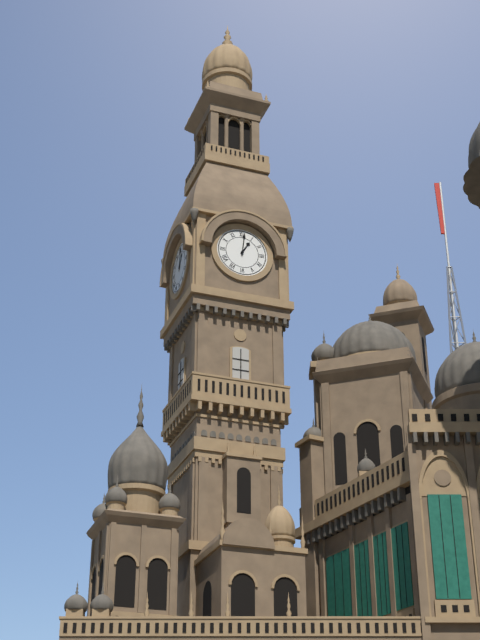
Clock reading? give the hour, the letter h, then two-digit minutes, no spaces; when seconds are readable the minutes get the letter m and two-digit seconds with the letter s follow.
1h01
